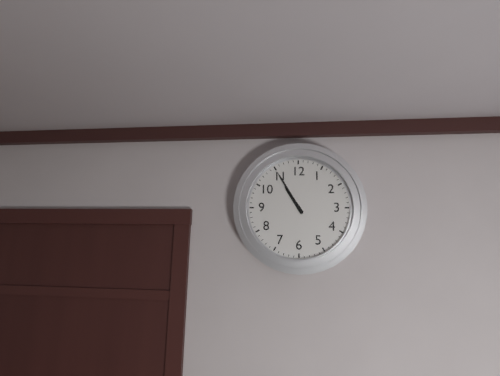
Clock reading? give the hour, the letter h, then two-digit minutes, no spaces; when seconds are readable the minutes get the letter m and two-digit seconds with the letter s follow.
10h55
